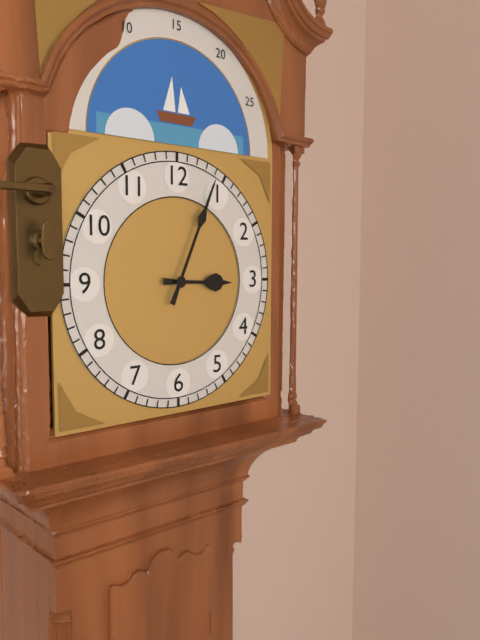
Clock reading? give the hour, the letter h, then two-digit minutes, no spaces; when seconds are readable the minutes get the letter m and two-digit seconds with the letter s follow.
3h04
